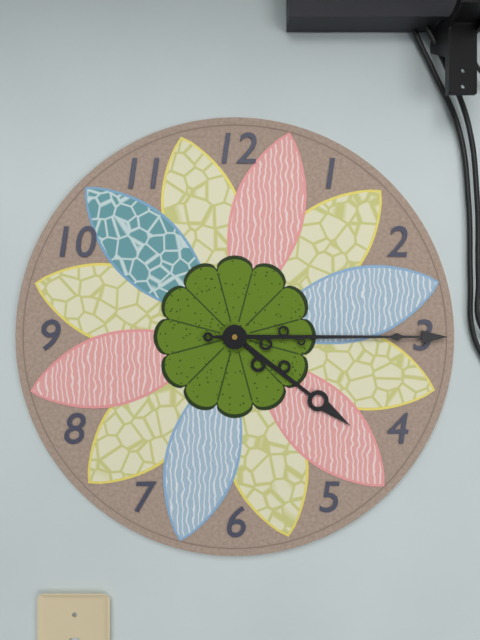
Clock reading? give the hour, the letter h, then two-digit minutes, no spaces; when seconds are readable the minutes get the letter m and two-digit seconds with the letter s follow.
4h15
